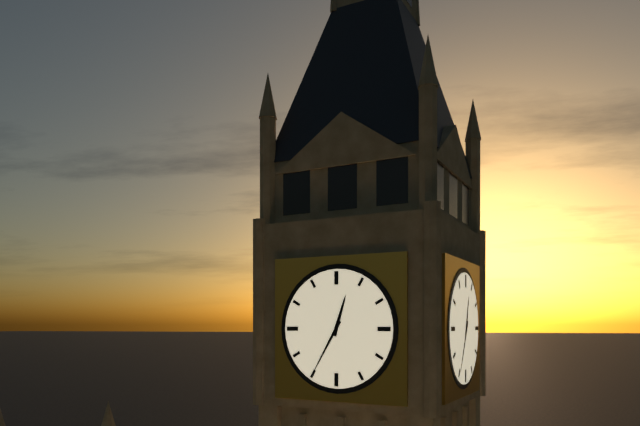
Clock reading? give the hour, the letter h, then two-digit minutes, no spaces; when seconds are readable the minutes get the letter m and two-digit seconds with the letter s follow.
12h35
